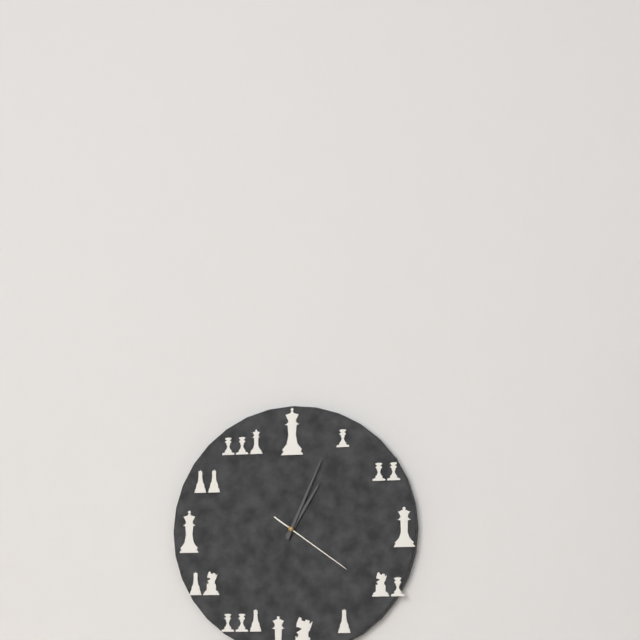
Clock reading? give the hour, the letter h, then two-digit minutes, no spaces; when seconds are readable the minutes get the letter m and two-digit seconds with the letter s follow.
1h04m21s
